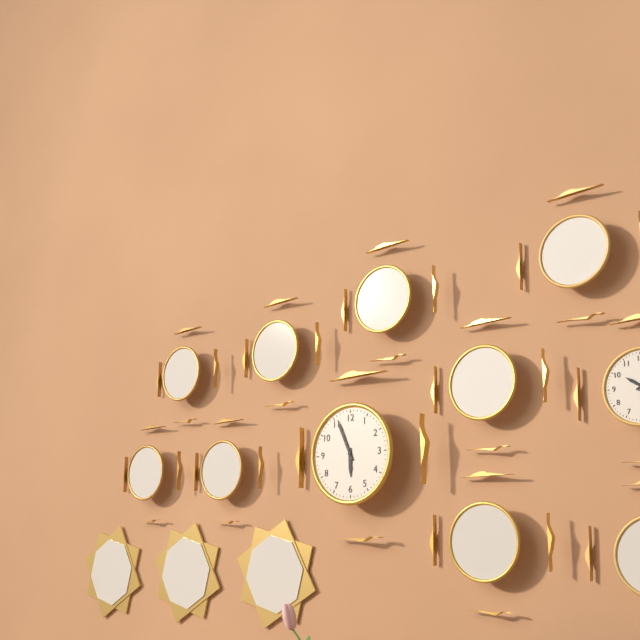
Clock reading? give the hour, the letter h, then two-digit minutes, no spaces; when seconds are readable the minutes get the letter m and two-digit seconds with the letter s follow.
5h56
